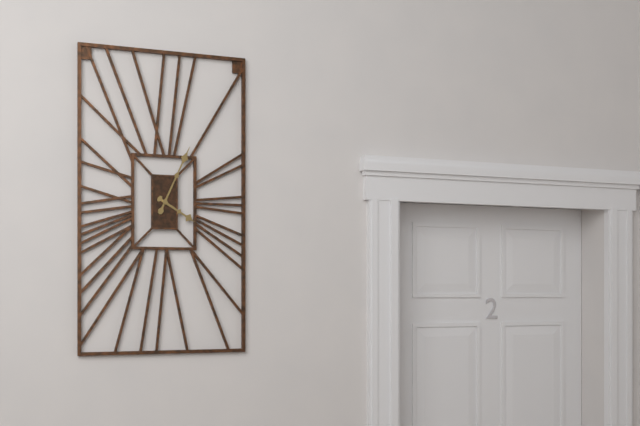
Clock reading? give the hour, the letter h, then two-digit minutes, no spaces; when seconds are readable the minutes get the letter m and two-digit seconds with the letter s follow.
4h04
